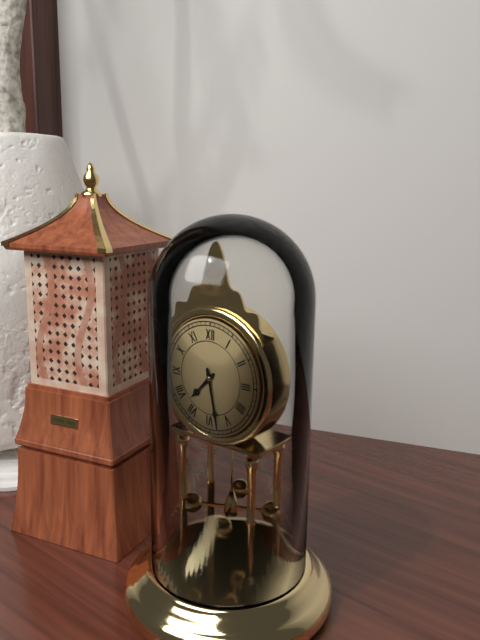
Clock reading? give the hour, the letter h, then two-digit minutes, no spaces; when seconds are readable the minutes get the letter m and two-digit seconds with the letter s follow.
7h28
